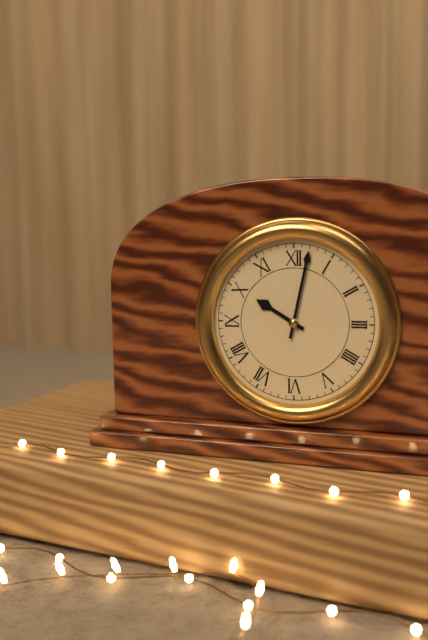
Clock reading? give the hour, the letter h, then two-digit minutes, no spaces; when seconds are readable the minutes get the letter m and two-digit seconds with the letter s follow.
10h02
